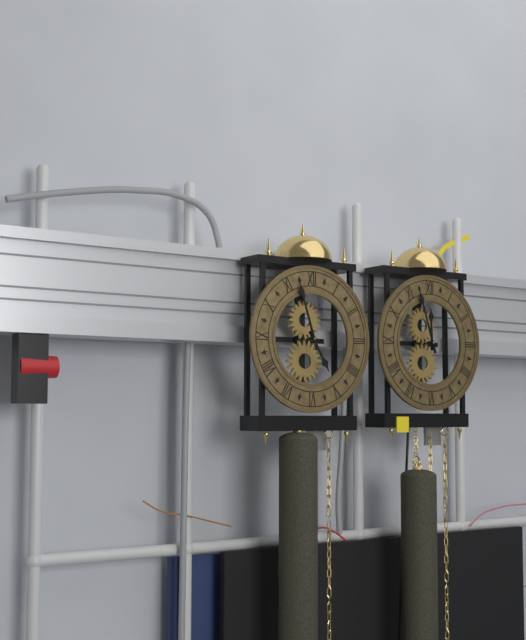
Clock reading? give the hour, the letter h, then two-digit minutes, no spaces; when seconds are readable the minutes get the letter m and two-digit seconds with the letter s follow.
4h57
